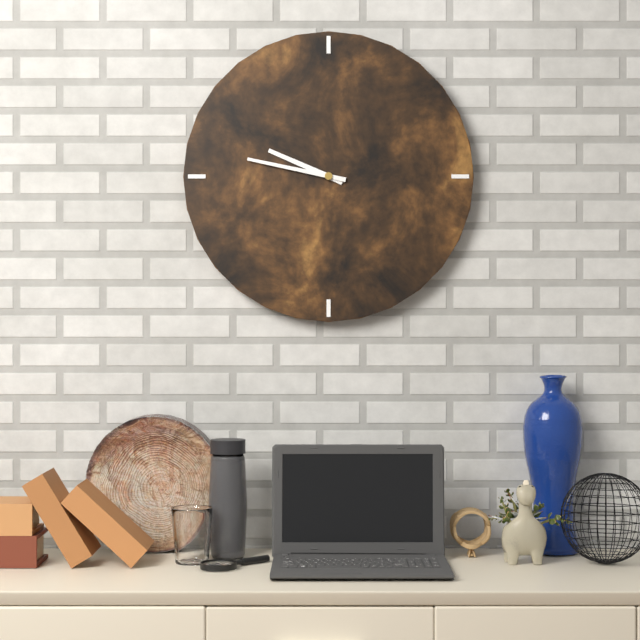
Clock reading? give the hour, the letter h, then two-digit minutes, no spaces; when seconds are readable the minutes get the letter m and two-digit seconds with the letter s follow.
9h47
